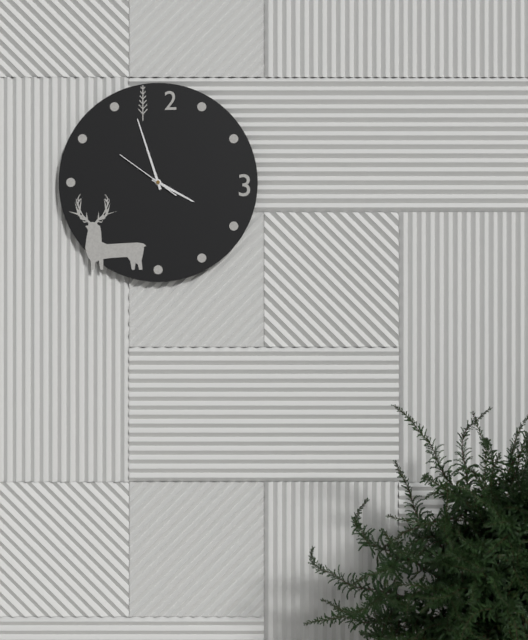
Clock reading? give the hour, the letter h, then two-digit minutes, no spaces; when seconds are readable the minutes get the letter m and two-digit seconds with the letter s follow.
3h57m51s
